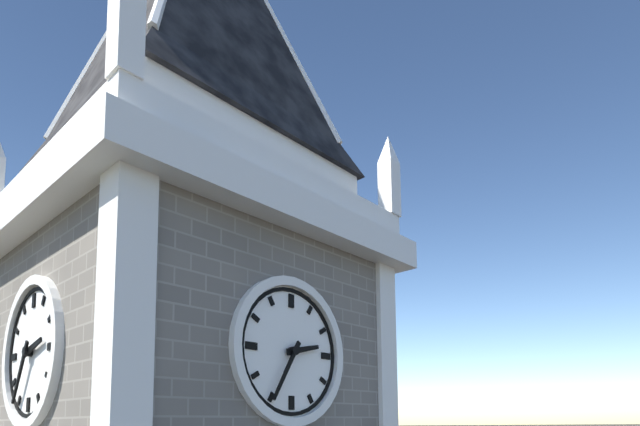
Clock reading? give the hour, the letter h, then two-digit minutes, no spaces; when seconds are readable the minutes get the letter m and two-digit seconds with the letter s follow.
2h35
